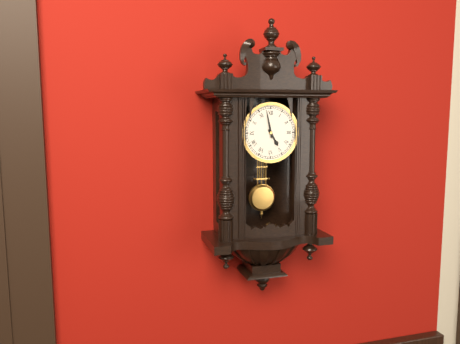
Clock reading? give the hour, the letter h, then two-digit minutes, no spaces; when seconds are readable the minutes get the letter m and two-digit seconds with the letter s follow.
4h58
